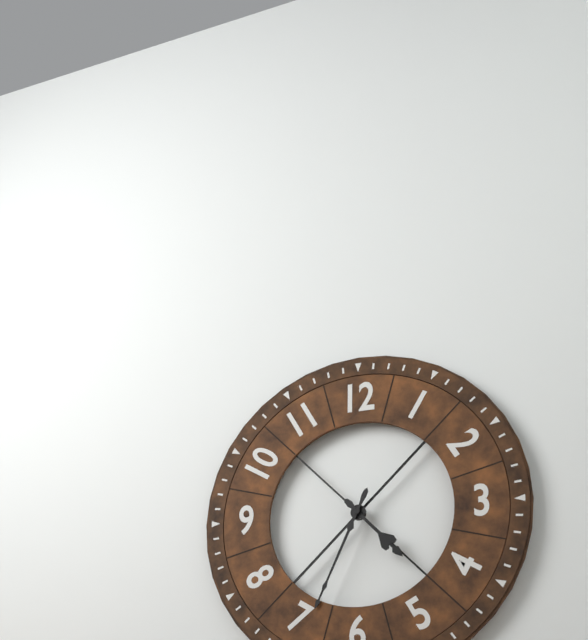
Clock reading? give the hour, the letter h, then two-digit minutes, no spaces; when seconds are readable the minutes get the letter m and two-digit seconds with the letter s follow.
4h34
